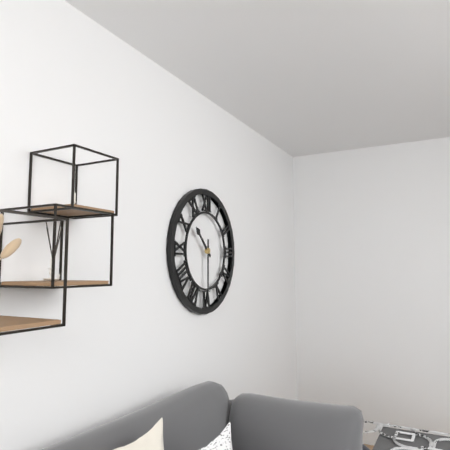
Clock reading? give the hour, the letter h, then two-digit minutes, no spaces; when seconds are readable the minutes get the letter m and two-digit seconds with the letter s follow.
10h30
